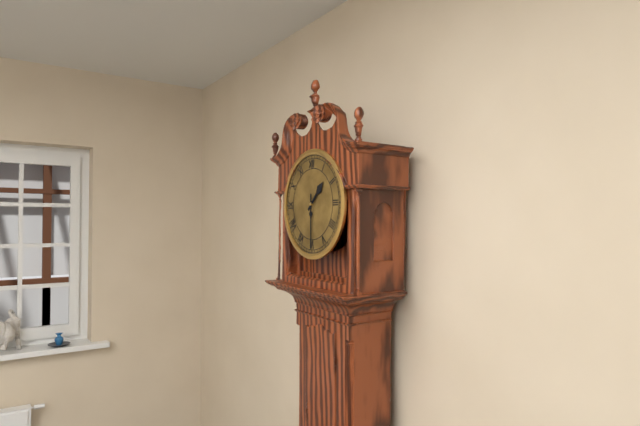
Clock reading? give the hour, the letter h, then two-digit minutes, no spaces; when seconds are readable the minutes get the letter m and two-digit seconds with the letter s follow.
1h30
